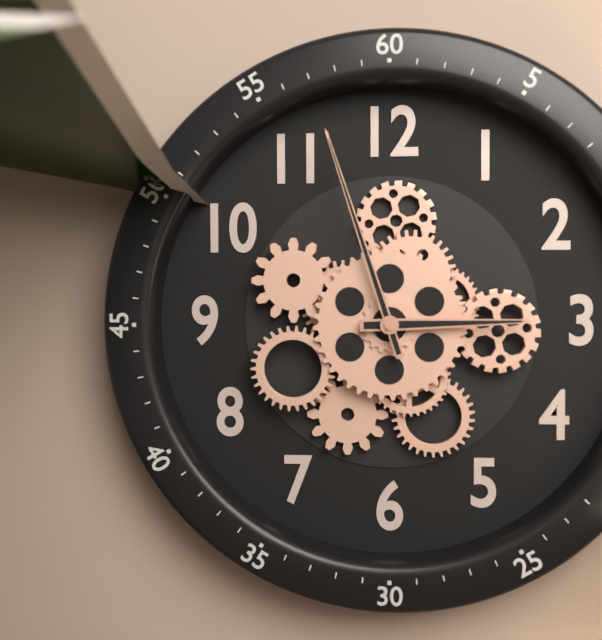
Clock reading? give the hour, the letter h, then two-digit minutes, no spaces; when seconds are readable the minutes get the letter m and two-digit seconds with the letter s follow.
2h57
